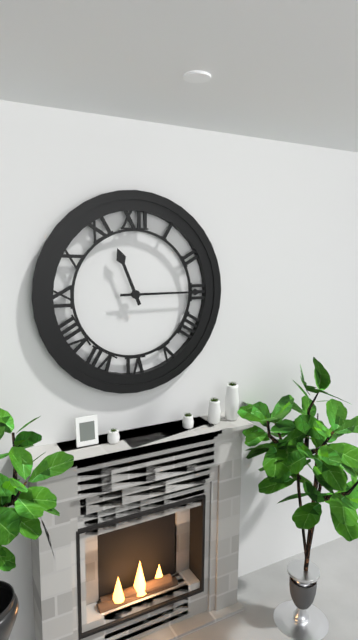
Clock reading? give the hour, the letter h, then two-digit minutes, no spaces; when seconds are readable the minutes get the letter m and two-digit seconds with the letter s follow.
11h15
